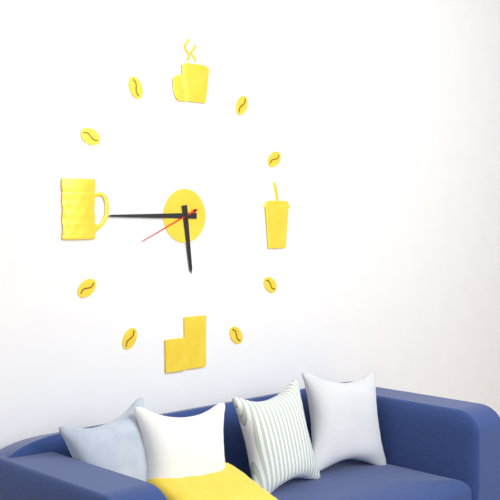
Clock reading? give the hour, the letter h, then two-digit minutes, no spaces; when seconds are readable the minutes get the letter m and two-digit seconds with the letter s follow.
5h45m41s
